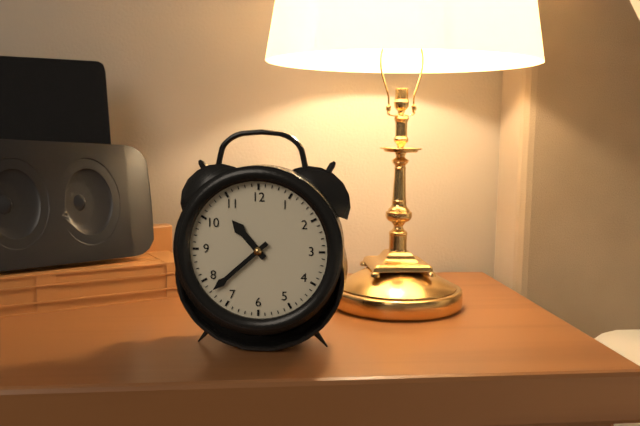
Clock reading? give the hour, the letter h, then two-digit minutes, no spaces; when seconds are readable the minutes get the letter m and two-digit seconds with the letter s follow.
10h38
